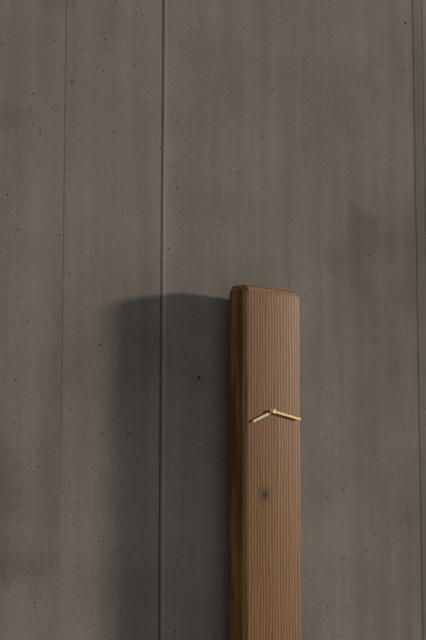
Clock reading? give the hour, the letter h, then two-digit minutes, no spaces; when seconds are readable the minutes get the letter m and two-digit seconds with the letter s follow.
8h17
